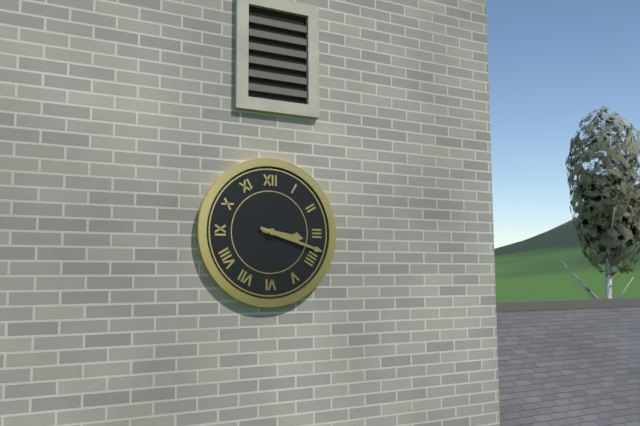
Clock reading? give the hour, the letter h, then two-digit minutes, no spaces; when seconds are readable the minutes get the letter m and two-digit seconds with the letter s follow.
3h18
